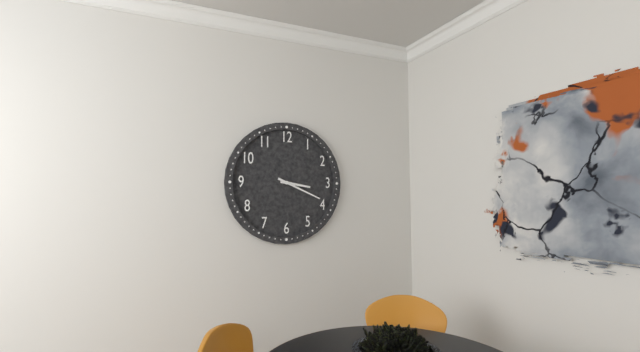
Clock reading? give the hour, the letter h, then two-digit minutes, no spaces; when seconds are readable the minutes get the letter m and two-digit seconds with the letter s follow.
3h19
